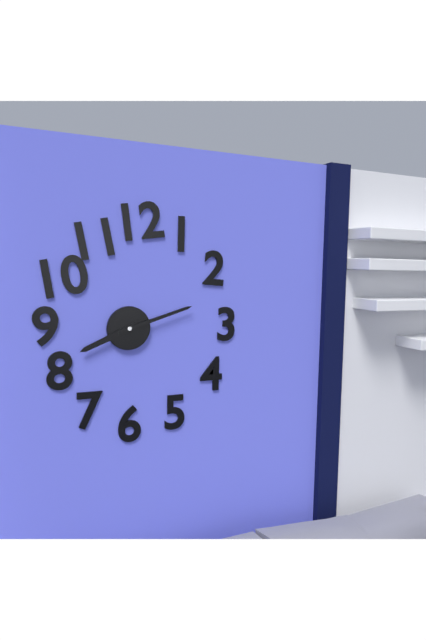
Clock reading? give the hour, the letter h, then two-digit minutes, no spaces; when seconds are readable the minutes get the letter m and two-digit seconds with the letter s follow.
8h12
